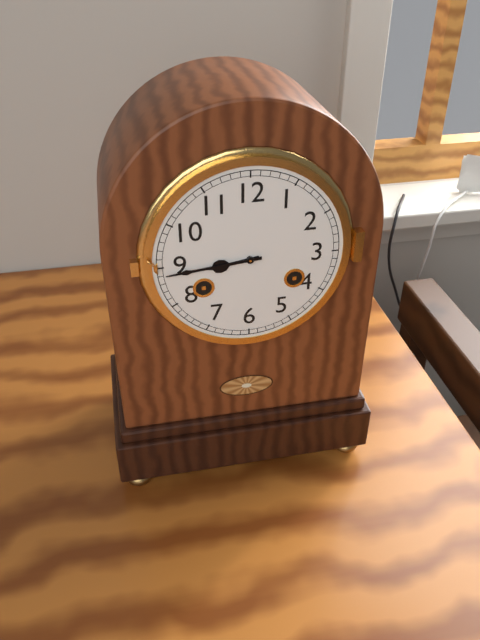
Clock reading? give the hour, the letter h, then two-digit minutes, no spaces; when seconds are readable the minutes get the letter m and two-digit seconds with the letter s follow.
8h44
